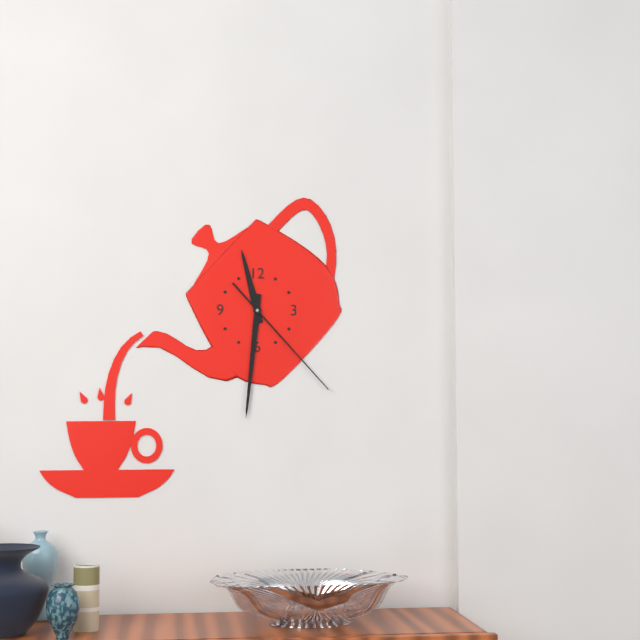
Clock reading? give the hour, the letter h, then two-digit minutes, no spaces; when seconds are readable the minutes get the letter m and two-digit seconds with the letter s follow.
11h31m23s
